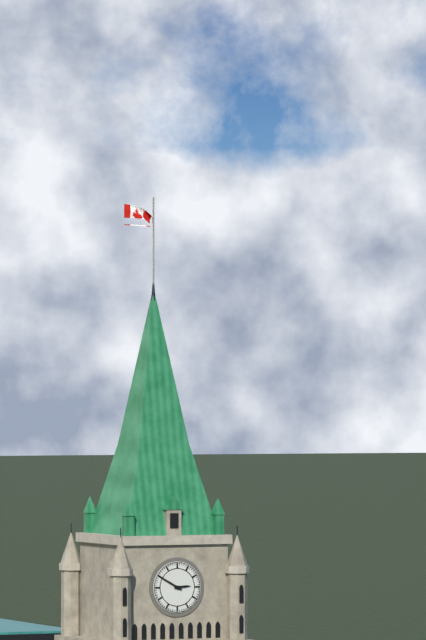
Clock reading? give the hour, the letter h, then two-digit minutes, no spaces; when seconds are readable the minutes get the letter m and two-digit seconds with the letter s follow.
2h50
